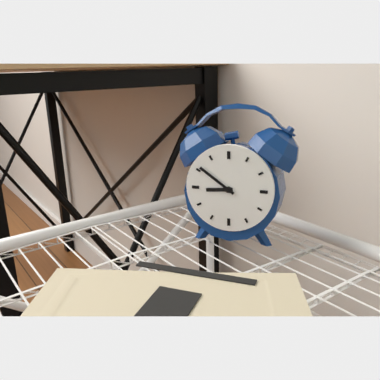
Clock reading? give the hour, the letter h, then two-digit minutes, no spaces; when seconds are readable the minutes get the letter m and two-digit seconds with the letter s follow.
8h51
